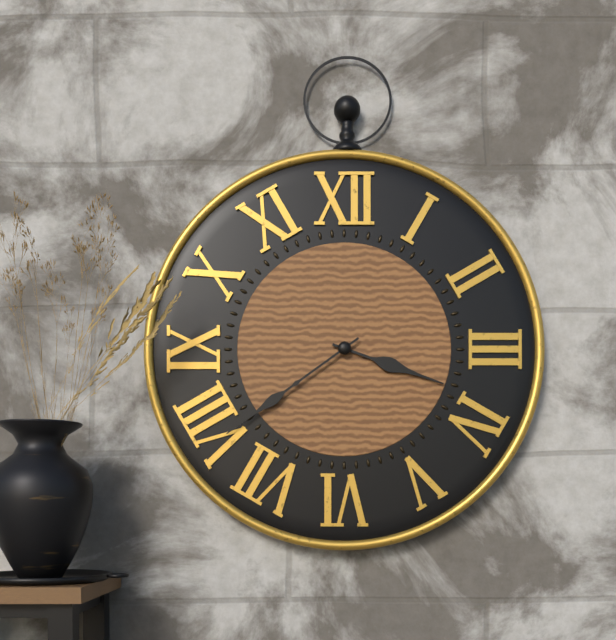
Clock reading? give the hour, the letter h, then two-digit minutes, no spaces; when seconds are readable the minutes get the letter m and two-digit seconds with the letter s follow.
3h39
